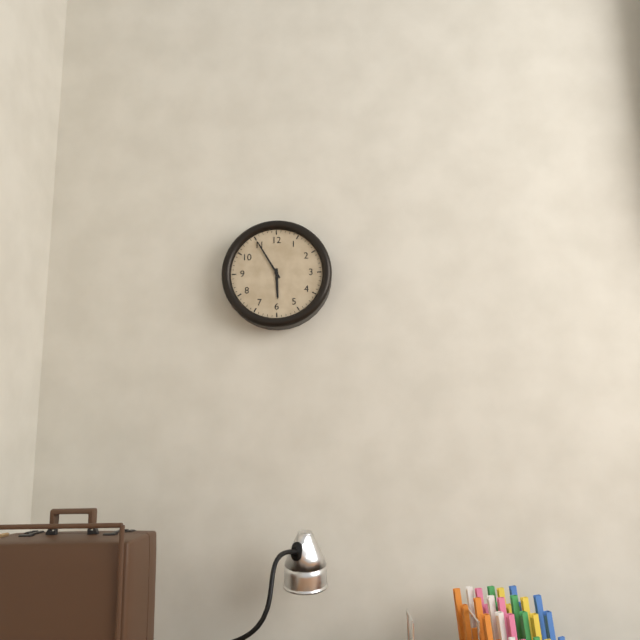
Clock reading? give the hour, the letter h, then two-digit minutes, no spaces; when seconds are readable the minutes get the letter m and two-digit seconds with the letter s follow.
5h55
